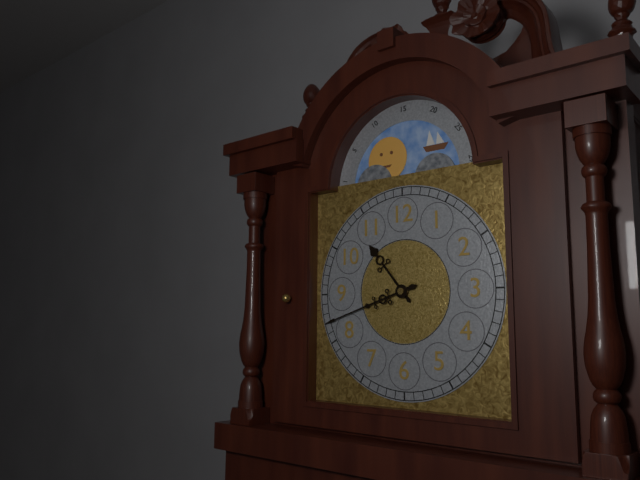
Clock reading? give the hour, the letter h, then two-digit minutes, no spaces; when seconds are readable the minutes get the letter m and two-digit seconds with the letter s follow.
10h42
